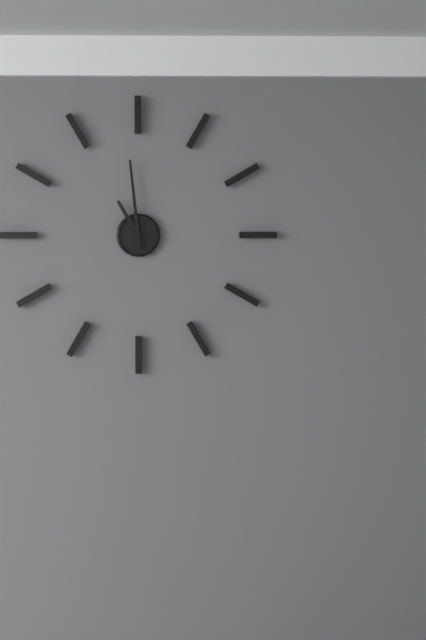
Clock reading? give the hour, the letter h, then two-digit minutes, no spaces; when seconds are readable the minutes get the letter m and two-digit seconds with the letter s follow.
10h59
